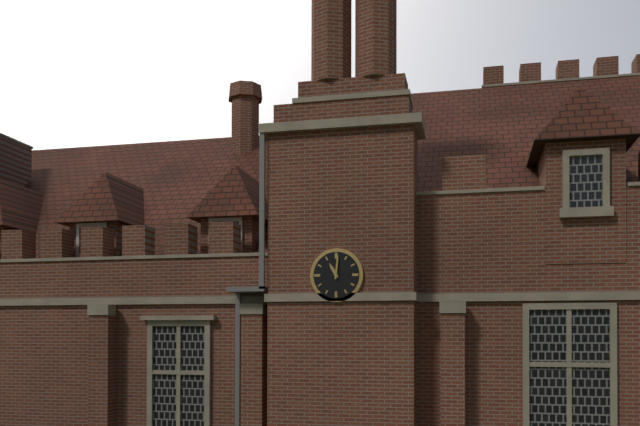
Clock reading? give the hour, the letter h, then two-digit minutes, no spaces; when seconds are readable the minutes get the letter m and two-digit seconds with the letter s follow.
11h01
